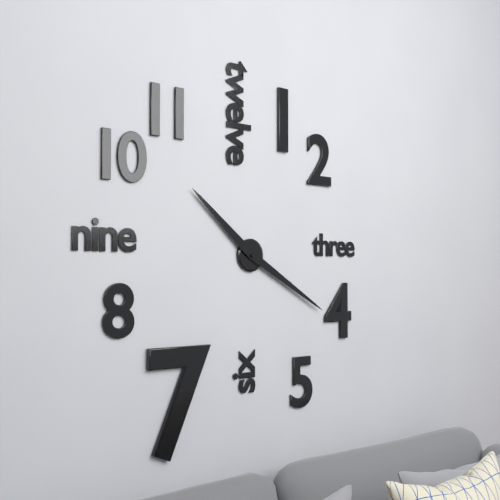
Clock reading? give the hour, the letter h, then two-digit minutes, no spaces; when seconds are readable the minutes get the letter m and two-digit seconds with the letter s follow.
10h20
